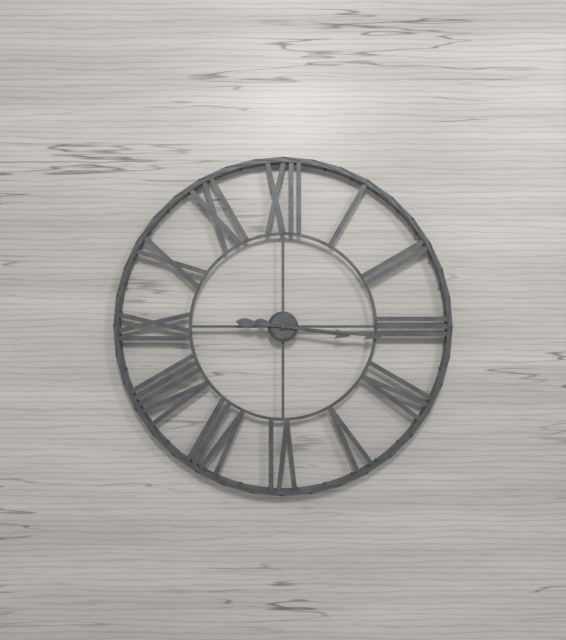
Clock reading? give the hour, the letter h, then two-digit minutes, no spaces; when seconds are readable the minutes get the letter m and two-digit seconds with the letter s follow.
3h16
